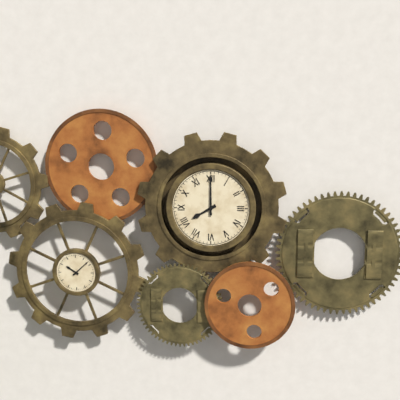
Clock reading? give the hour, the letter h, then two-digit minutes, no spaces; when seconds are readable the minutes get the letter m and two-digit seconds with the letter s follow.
8h00
